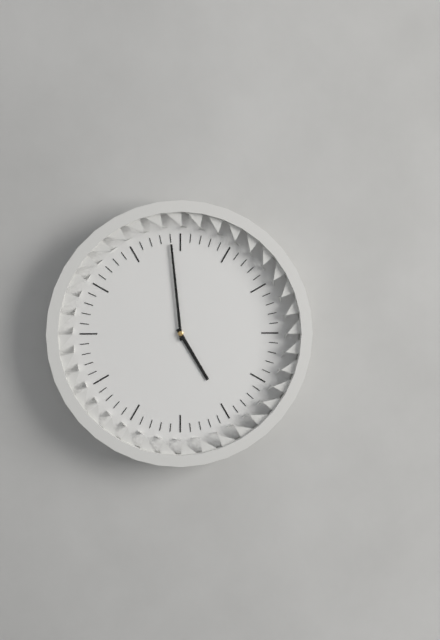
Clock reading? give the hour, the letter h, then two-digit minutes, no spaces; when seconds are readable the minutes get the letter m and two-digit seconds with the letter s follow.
4h59
